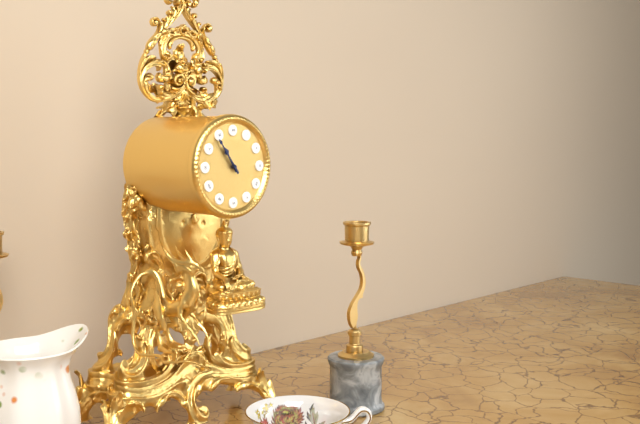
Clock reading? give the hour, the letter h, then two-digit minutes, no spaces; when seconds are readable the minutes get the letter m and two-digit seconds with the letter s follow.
10h54
